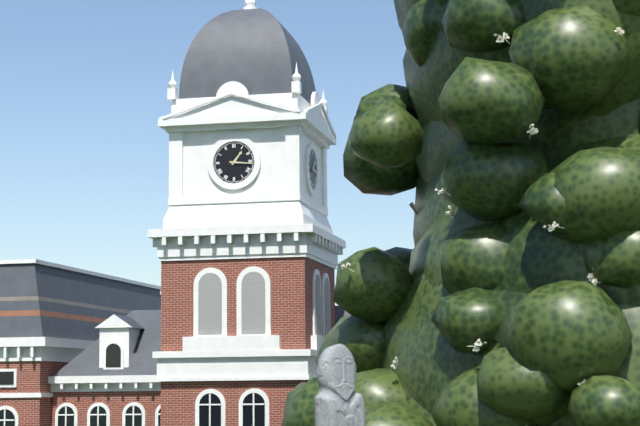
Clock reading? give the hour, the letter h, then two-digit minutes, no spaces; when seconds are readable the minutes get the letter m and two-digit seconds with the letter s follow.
1h16
